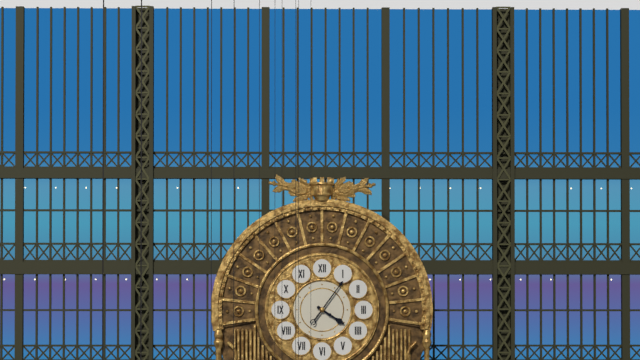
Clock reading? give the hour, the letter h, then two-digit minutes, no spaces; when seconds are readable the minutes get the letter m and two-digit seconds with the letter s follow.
4h06
